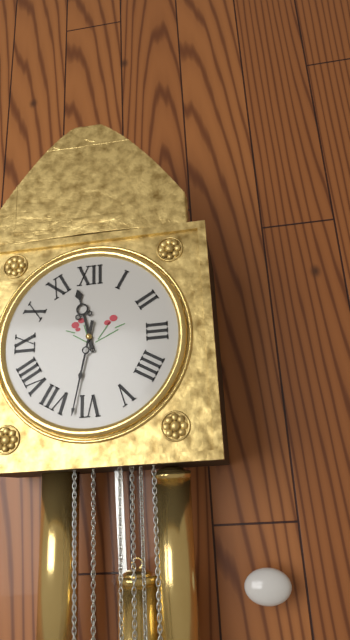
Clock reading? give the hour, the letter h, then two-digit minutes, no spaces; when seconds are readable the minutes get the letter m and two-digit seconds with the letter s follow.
11h32
